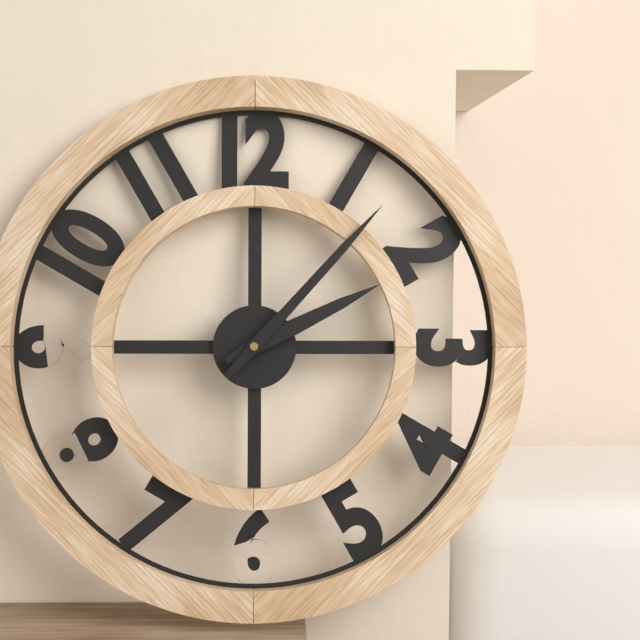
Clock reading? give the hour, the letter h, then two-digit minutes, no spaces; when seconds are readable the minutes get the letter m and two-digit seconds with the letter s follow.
2h07
